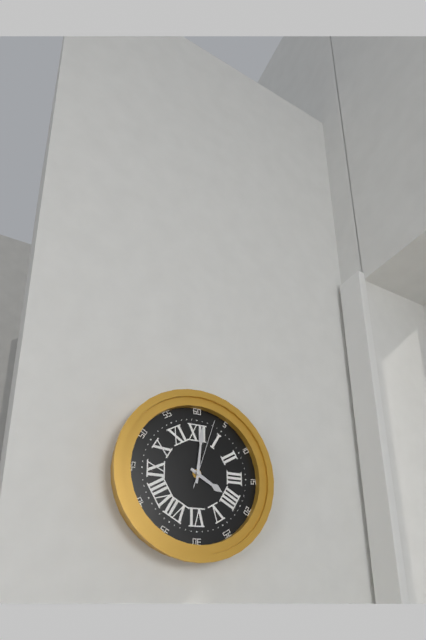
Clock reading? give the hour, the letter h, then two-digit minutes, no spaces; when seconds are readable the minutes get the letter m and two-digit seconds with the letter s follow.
4h01m03s
